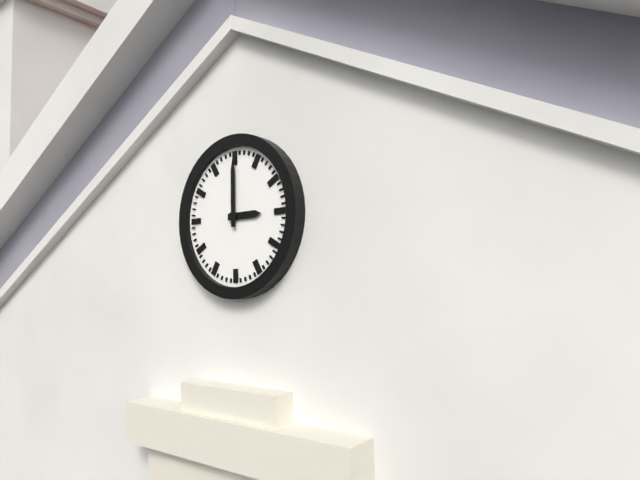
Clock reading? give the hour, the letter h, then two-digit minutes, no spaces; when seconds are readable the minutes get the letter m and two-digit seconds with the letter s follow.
3h00
